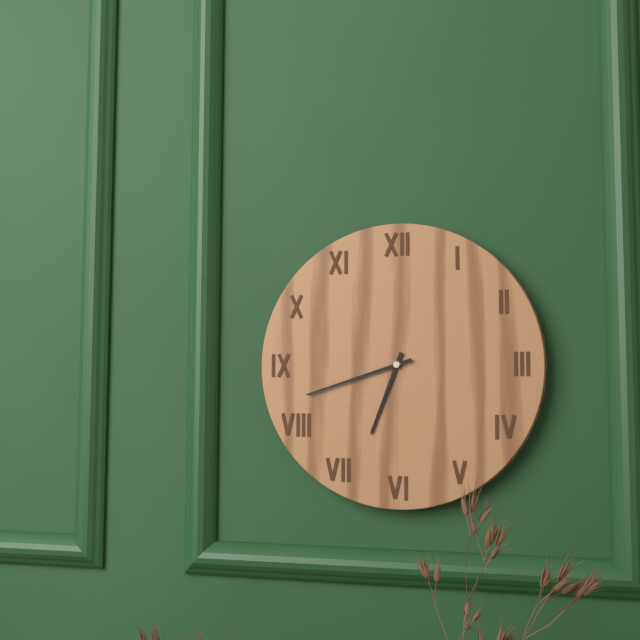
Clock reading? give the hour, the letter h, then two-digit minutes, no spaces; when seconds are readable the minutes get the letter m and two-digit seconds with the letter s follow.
6h42
